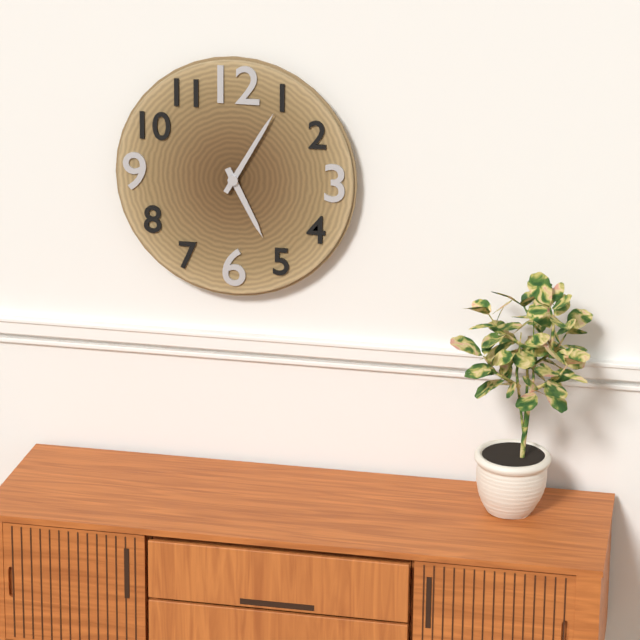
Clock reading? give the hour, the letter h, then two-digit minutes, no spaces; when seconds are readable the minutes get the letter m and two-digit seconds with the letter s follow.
5h05
